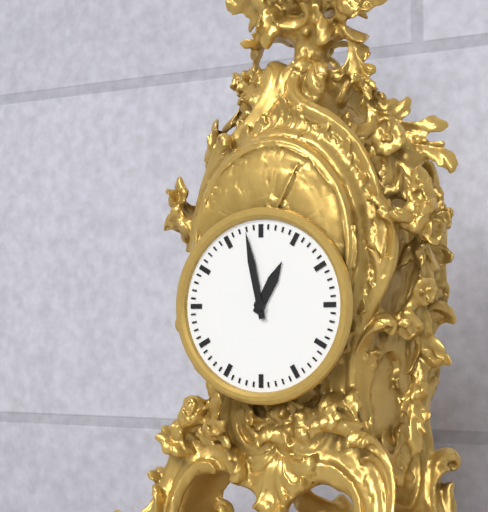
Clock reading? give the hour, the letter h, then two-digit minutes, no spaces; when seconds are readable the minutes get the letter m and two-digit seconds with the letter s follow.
12h58
